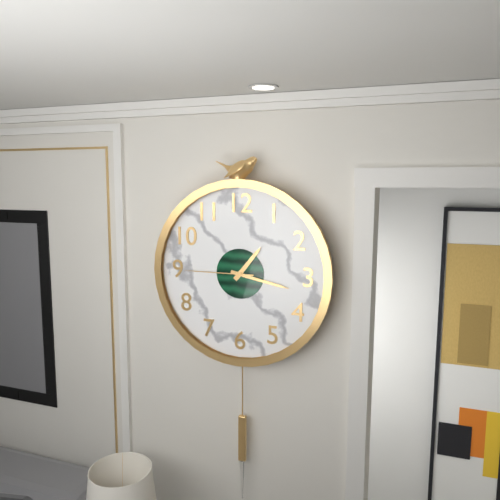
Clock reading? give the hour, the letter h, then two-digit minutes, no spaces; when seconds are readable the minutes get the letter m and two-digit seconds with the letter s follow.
1h17m45s
